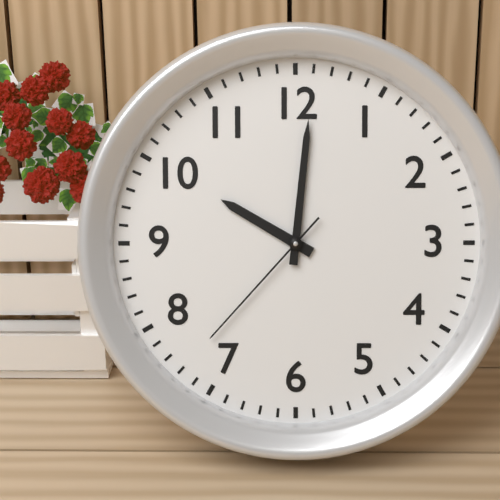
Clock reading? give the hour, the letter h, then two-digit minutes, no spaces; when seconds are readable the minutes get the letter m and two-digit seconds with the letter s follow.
10h01m37s
